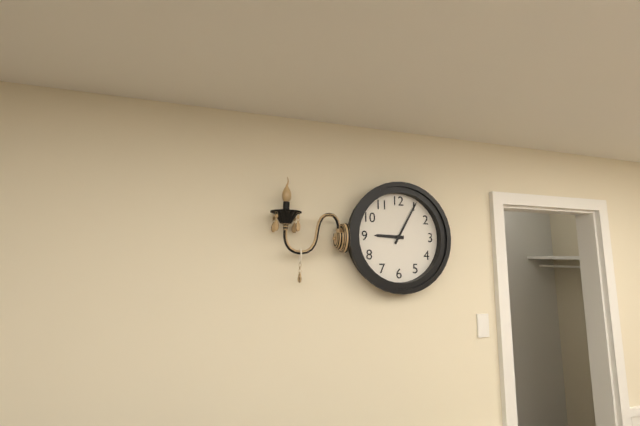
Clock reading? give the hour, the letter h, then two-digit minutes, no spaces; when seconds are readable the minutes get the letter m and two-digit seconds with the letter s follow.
9h05
